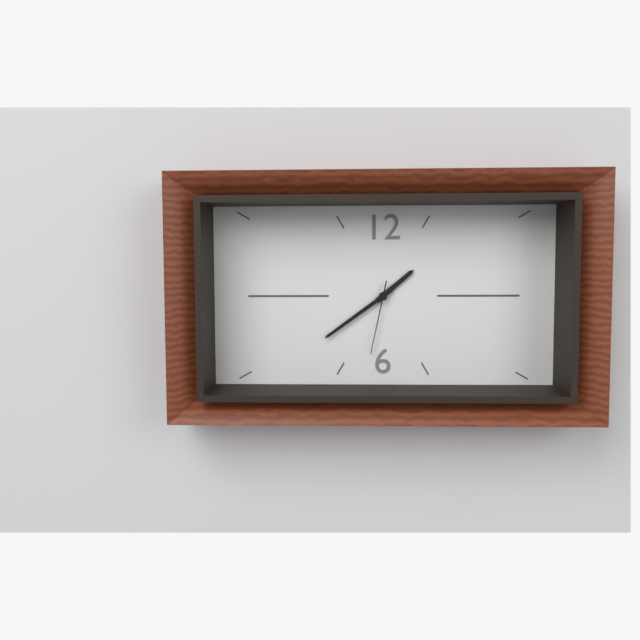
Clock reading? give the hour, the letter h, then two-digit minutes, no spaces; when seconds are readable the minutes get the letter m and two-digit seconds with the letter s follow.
1h39m32s
